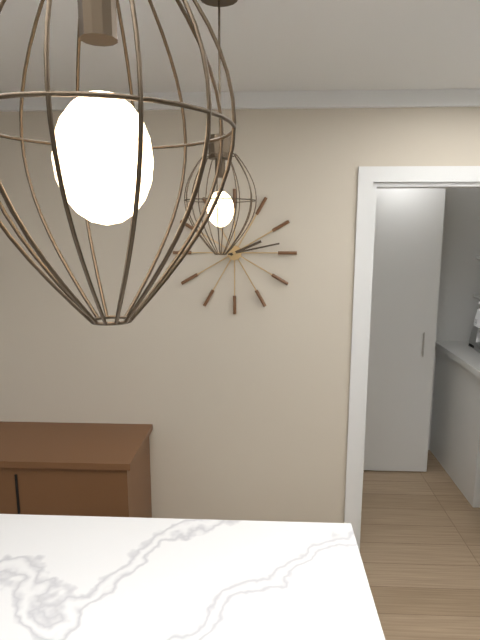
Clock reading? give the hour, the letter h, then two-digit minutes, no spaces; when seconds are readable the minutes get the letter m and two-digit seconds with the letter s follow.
2h13
